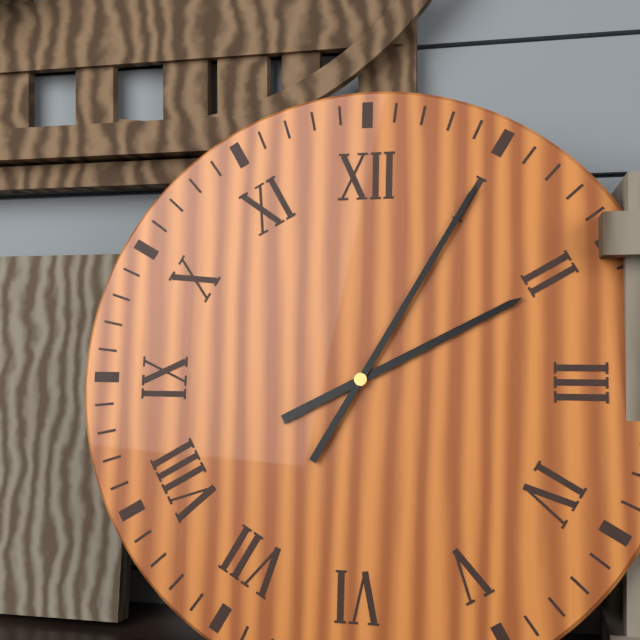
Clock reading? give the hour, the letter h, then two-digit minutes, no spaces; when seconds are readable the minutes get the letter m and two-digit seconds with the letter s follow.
2h05
